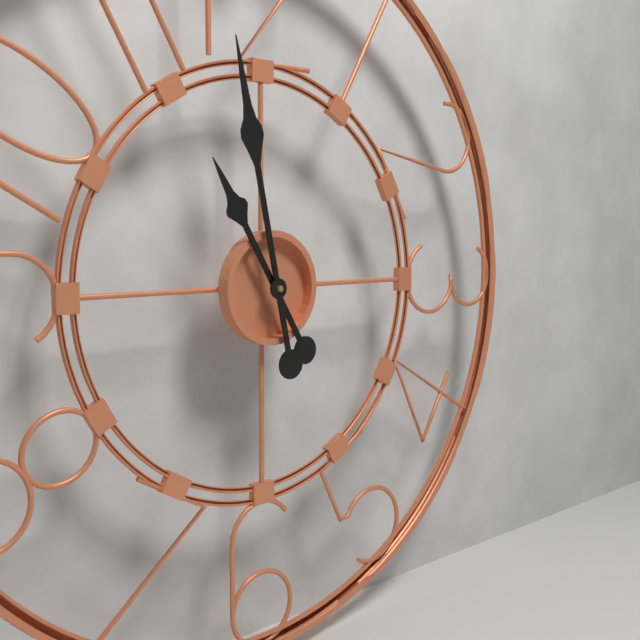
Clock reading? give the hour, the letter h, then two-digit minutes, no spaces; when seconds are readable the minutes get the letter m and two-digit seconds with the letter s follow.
10h58
